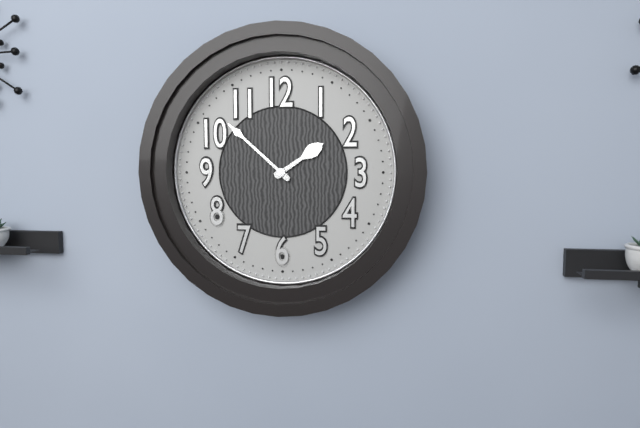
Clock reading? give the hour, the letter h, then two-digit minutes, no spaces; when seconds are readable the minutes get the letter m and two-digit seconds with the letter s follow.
1h52
